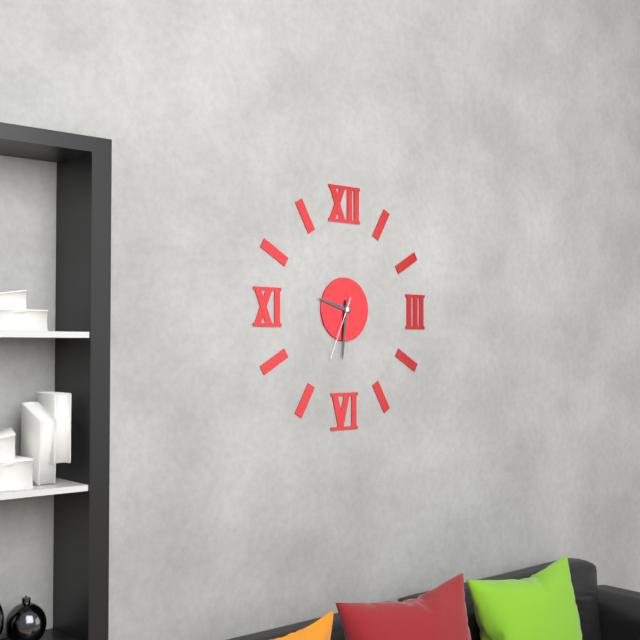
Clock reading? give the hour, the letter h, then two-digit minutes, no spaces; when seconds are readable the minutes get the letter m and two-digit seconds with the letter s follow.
9h31m34s
